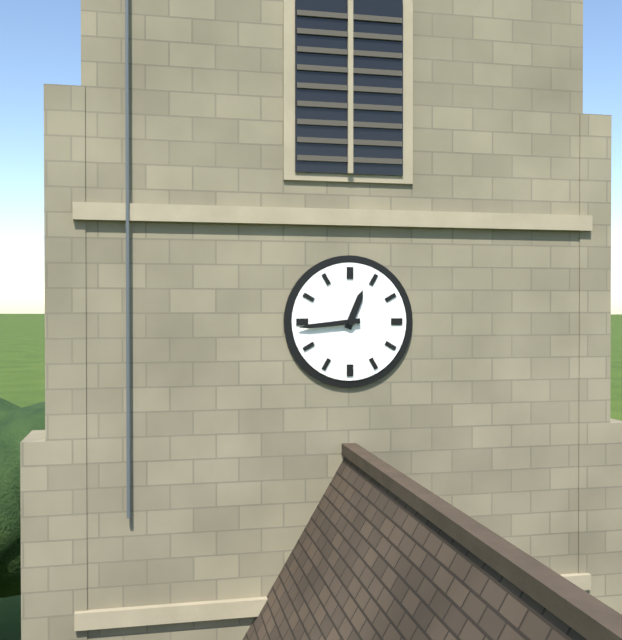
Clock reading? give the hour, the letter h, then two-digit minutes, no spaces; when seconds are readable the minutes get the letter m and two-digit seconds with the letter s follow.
12h44
